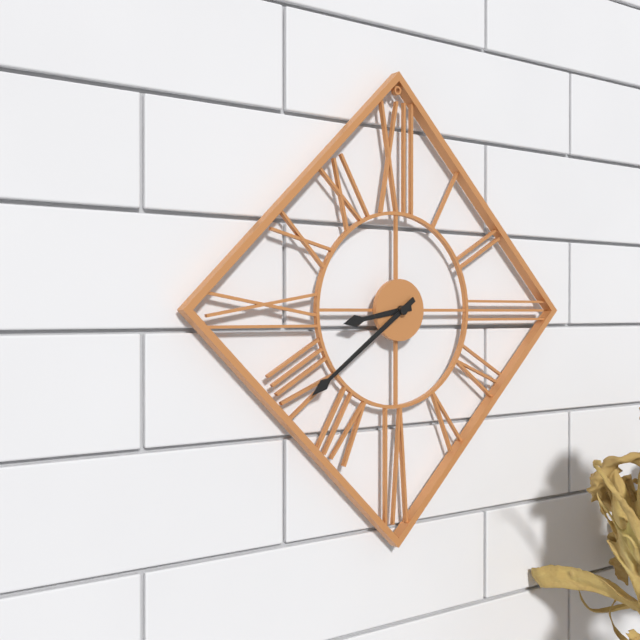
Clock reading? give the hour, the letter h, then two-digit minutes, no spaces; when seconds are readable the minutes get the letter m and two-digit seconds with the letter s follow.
8h39
